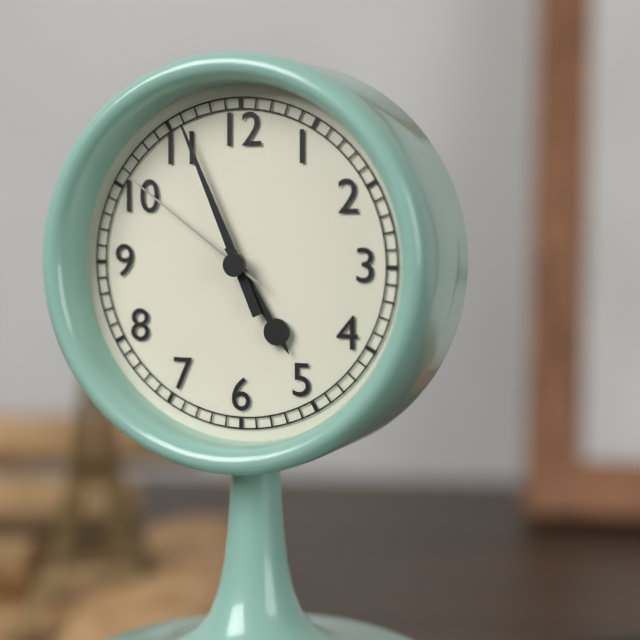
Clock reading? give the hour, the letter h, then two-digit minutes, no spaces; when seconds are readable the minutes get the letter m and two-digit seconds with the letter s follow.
4h56m51s
